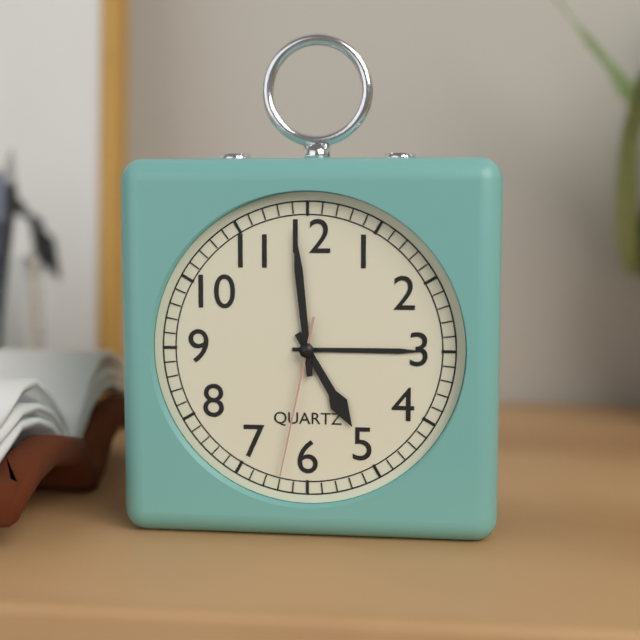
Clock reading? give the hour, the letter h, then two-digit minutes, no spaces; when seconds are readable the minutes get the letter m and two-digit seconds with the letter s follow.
4h59m32s
